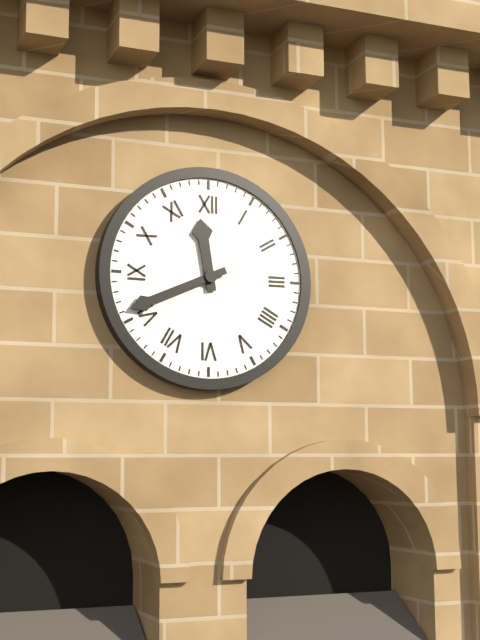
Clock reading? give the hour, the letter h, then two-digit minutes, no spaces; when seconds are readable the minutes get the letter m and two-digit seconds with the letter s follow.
11h41
